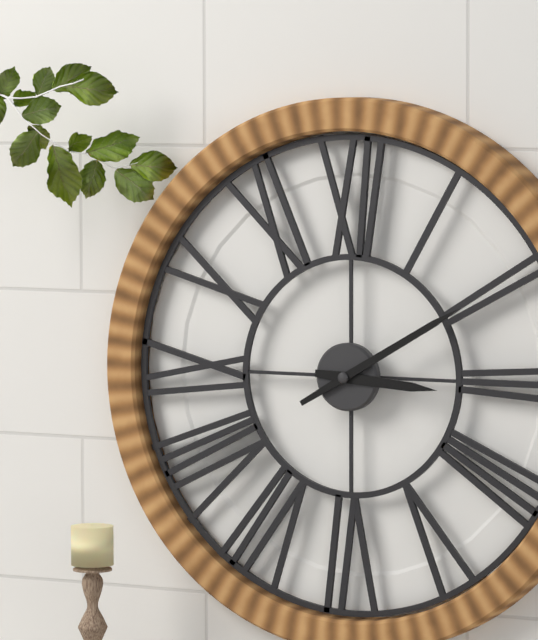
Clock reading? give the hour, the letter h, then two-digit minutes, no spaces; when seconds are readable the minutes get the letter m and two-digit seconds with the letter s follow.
3h10
